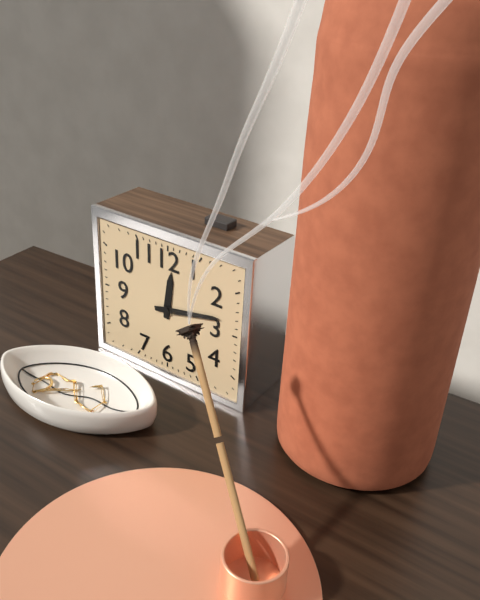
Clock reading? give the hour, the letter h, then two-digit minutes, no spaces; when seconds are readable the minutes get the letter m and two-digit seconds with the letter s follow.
12h13
